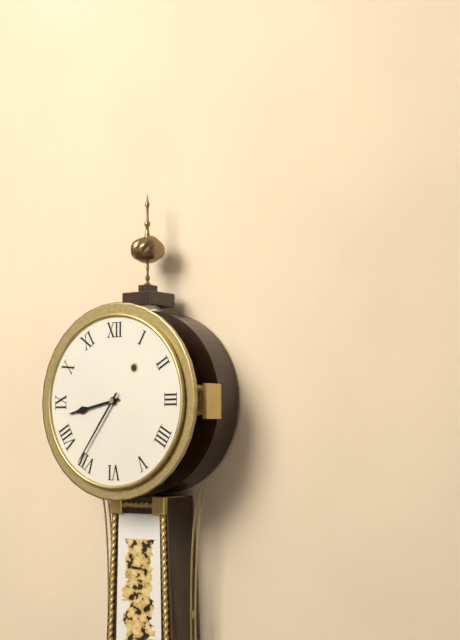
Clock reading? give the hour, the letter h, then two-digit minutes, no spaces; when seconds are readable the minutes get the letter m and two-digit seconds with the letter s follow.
8h36
